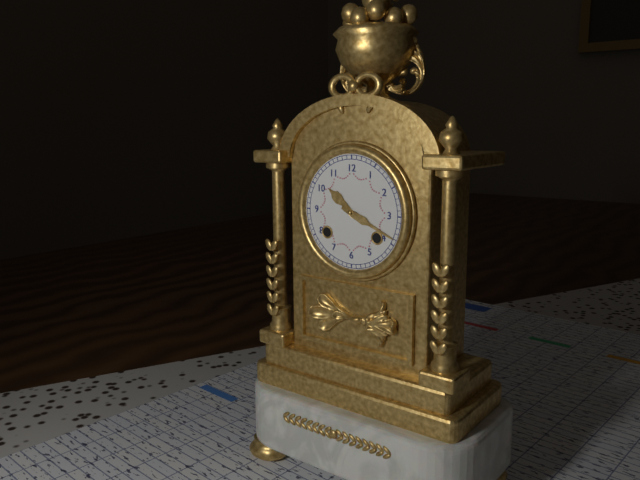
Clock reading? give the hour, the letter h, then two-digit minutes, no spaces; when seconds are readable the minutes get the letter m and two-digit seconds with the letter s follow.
10h19
